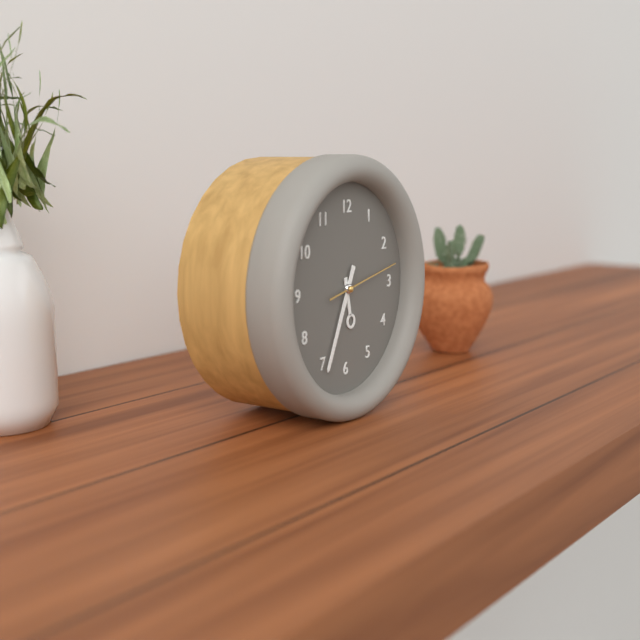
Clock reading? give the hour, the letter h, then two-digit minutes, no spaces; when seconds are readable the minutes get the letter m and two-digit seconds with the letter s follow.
5h34m13s
